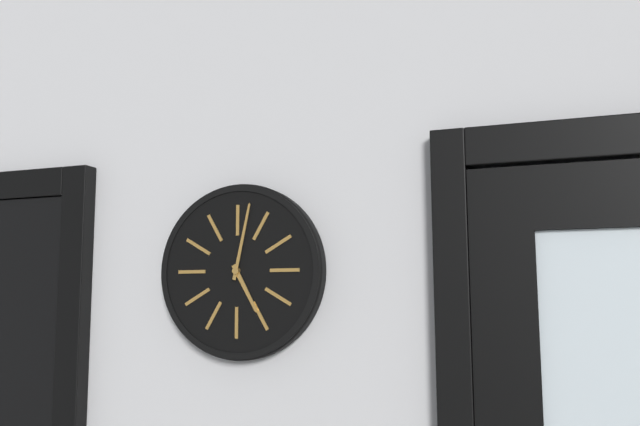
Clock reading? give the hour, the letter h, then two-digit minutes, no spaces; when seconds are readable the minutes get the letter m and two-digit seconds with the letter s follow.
5h02
